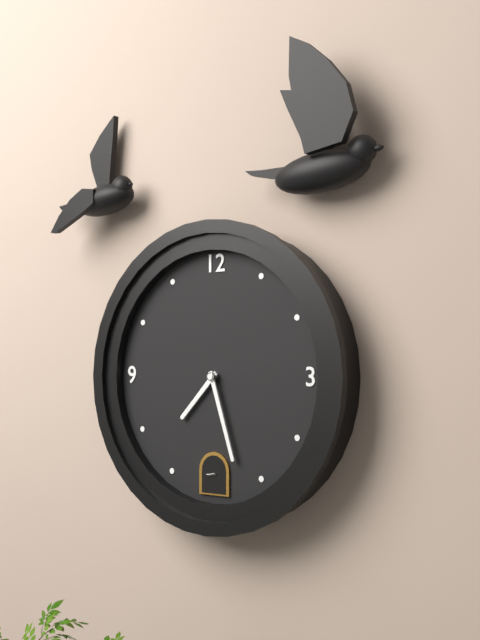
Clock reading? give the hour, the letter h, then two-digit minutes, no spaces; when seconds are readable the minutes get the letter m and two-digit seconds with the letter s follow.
7h27
